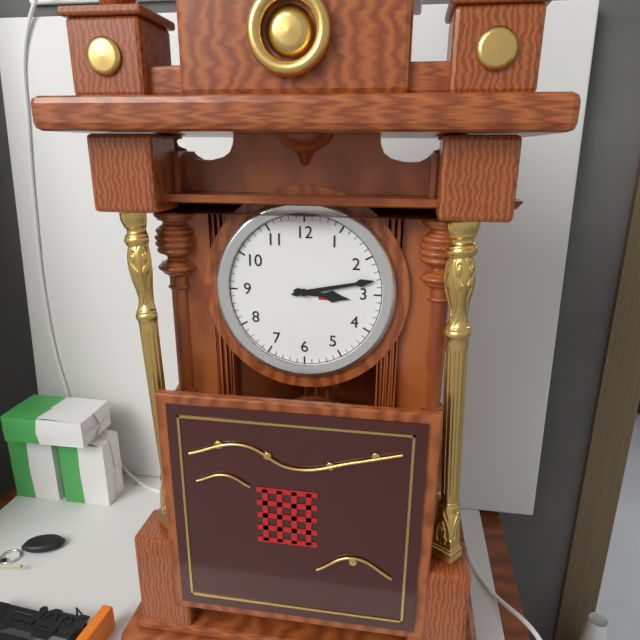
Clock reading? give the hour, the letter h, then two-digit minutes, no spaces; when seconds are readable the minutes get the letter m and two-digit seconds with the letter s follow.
3h13
